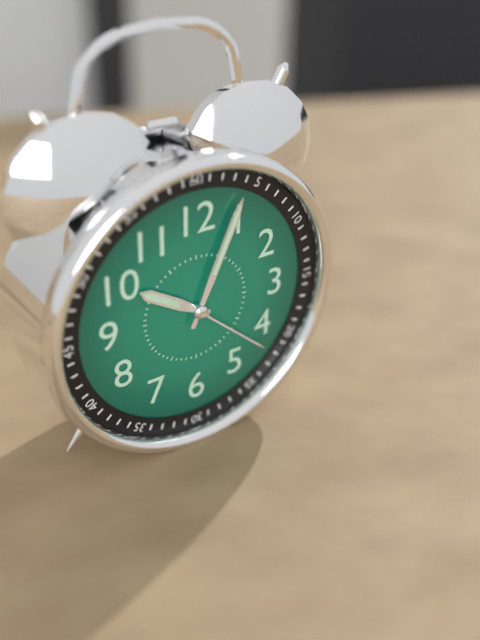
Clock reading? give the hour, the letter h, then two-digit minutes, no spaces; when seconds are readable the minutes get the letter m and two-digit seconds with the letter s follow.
10h04m22s
